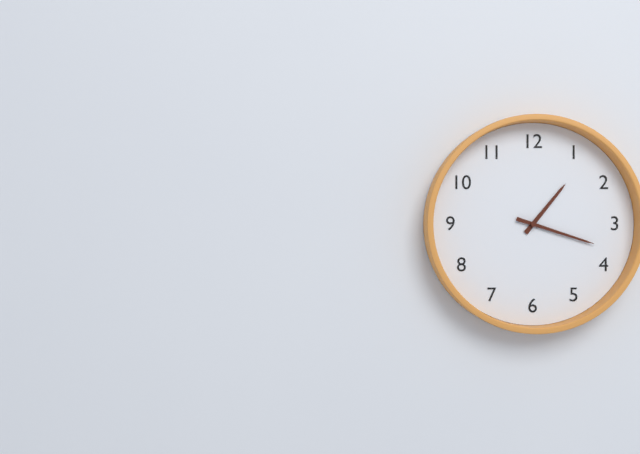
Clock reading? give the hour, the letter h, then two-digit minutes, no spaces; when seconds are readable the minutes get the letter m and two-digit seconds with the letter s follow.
1h18
